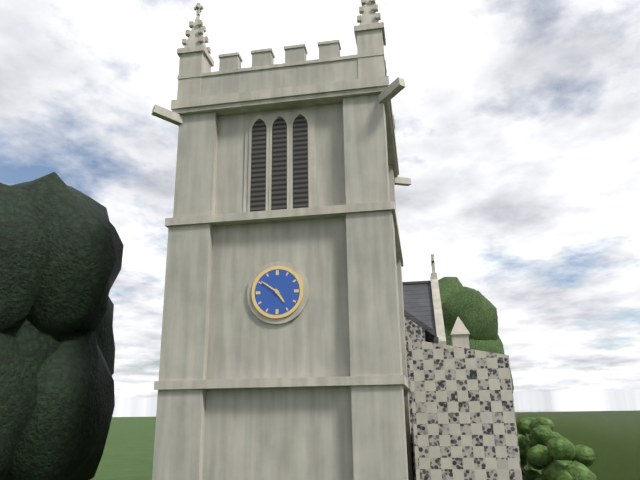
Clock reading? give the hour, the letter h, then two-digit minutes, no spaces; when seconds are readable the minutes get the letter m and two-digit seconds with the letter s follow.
4h51
